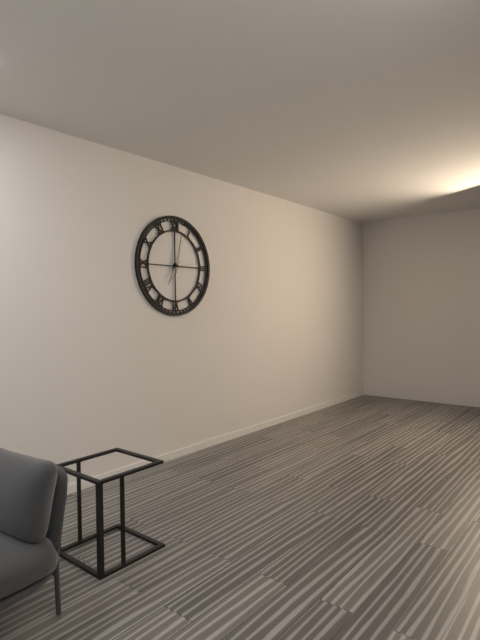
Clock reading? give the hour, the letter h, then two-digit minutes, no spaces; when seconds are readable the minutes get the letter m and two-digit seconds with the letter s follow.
7h02
